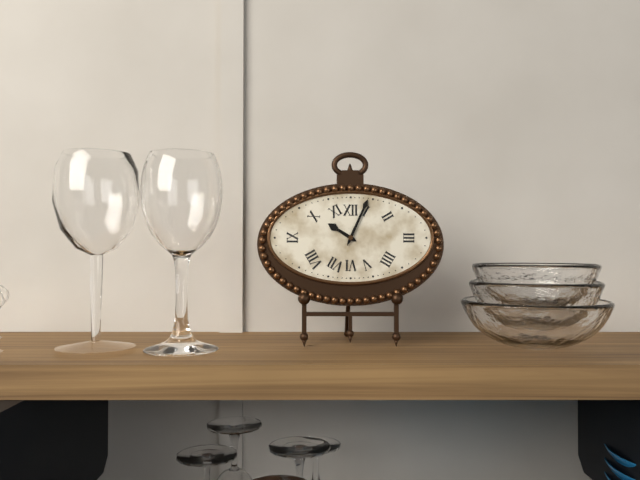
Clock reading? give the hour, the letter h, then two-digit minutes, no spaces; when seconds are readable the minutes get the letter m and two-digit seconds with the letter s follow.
10h04
